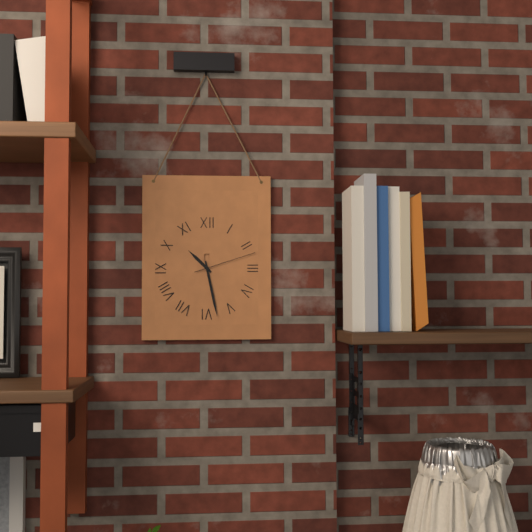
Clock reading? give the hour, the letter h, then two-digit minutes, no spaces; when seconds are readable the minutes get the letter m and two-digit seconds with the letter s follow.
10h28m12s
